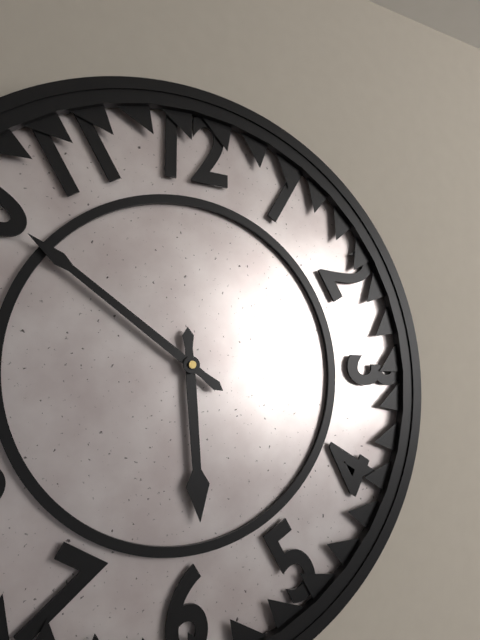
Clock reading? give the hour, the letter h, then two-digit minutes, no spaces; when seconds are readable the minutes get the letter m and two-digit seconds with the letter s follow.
5h51
